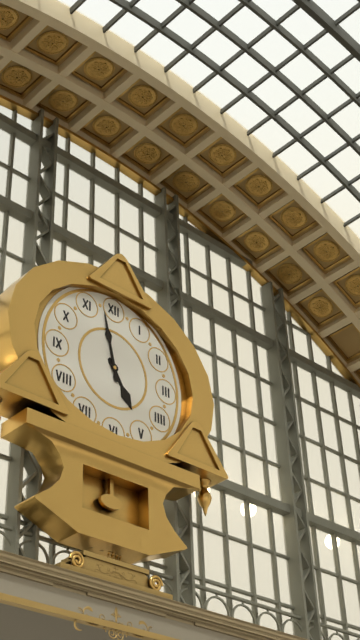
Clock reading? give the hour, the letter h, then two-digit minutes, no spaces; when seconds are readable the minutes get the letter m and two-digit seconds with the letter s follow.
4h58
